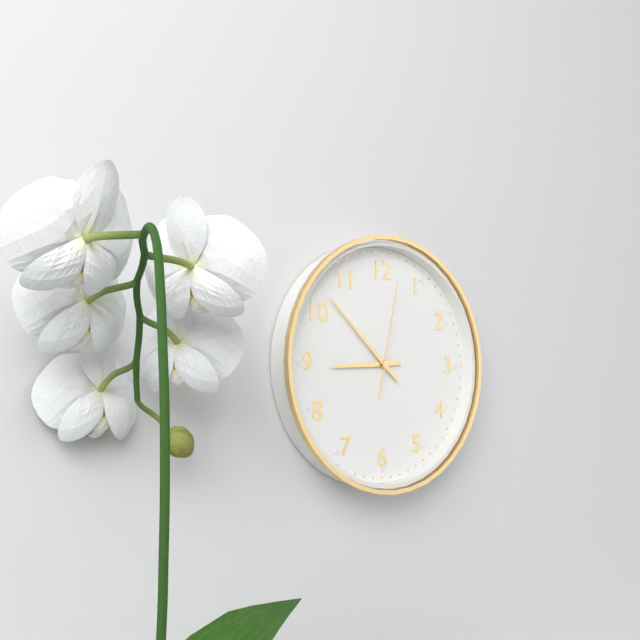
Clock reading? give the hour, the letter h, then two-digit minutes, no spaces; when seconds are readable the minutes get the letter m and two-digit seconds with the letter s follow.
8h52m02s
